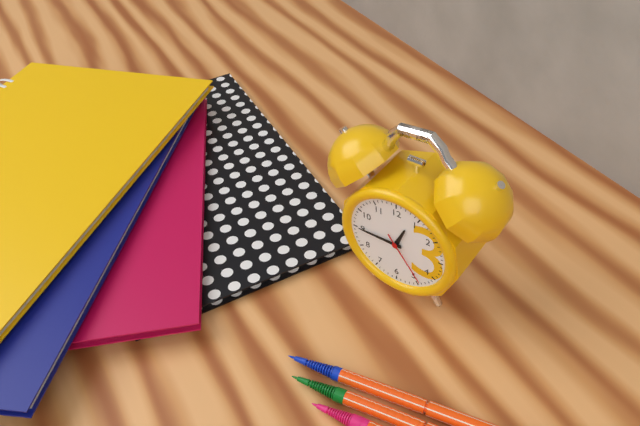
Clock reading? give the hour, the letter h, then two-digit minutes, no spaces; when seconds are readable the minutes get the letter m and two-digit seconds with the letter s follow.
12h45m24s
